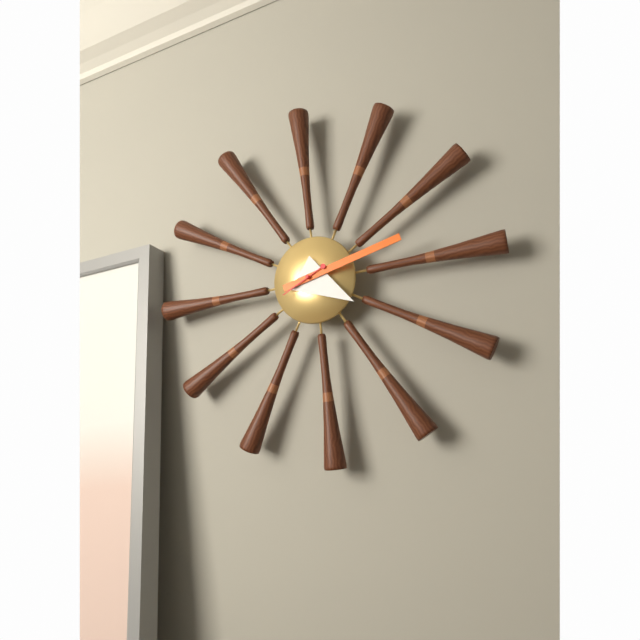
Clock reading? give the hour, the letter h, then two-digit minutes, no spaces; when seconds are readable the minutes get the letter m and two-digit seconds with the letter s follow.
4h13m41s
